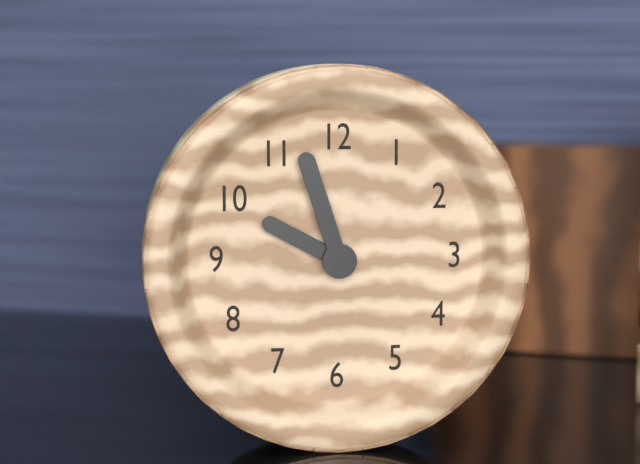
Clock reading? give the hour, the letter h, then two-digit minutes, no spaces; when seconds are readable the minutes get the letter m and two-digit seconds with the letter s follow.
9h57
